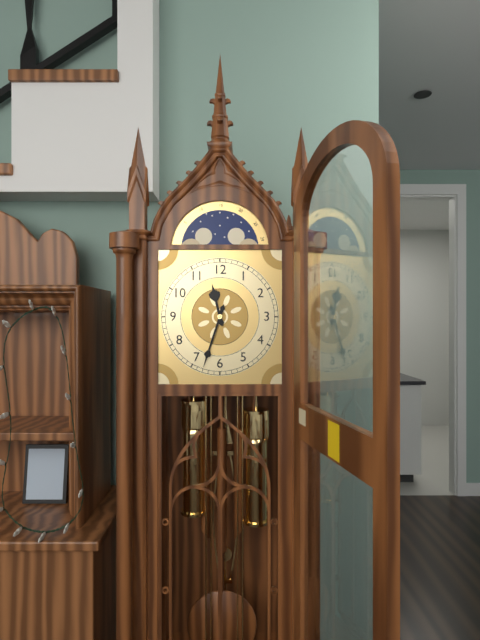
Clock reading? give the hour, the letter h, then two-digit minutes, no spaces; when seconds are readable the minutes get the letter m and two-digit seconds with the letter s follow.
11h33
